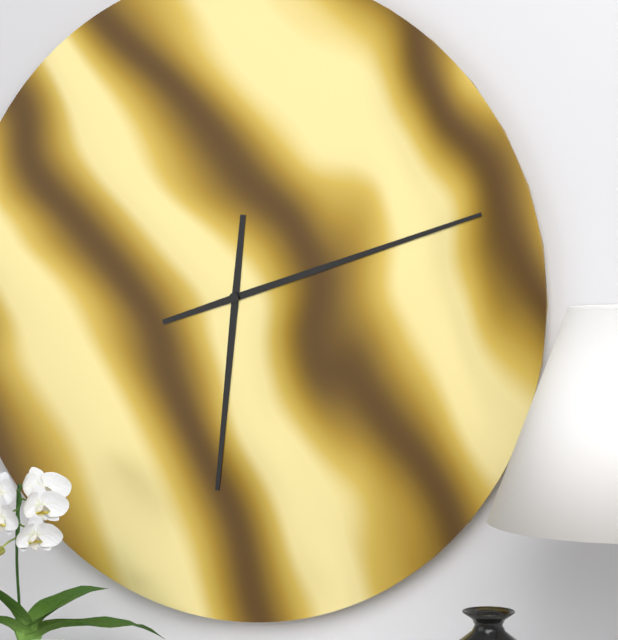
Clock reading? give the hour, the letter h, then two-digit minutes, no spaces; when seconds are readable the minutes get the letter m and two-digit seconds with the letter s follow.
6h12
